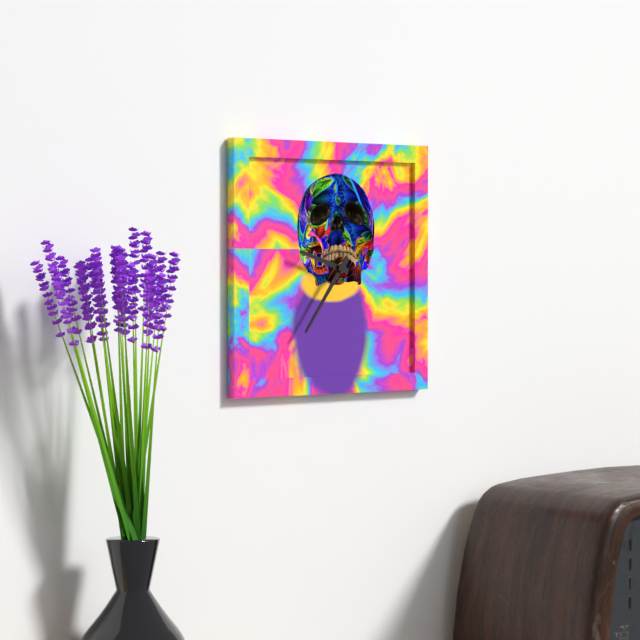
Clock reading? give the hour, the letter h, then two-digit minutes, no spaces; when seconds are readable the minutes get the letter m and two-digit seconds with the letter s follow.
9h36
